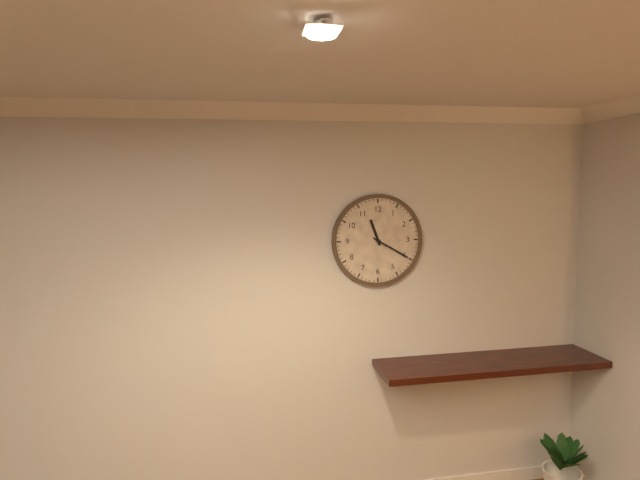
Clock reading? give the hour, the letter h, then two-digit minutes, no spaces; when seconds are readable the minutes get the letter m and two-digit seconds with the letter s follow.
11h20
